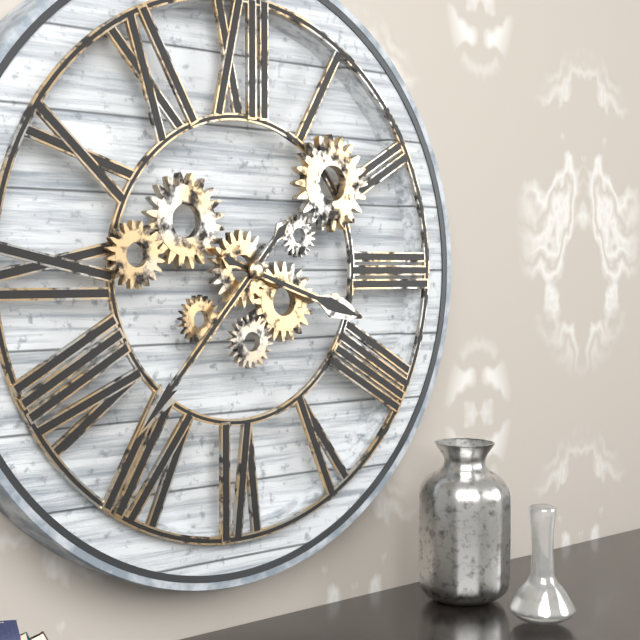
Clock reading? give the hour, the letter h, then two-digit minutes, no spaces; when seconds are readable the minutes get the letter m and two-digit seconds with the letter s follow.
3h37
